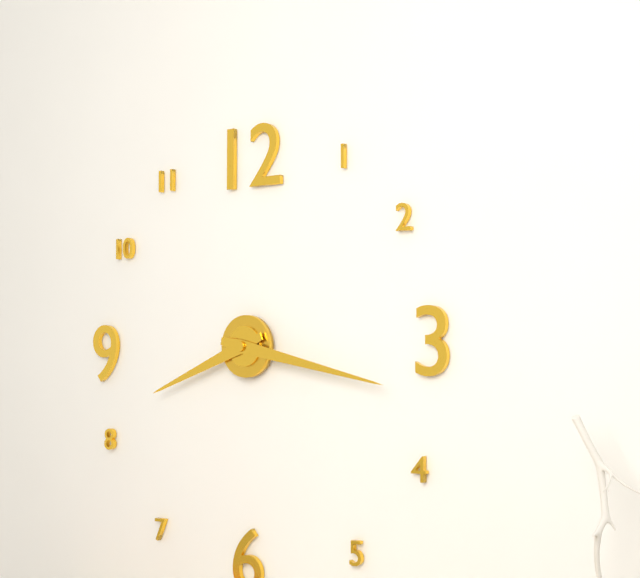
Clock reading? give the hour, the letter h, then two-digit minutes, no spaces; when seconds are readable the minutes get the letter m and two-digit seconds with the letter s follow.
8h17
